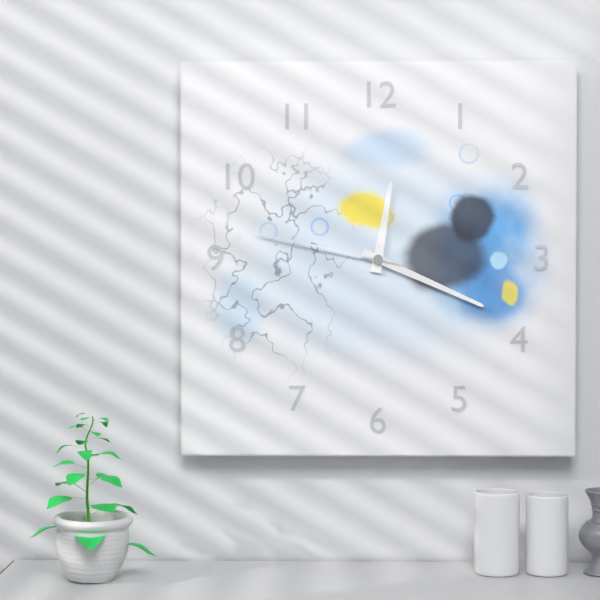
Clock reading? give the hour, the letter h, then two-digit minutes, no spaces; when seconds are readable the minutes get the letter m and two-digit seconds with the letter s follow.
12h19m47s
